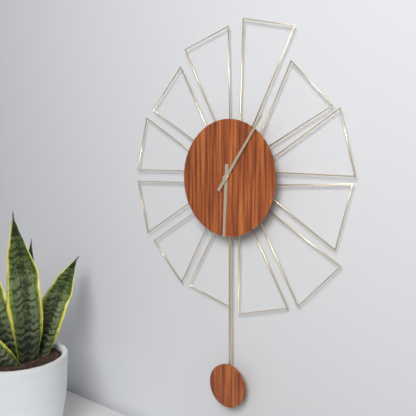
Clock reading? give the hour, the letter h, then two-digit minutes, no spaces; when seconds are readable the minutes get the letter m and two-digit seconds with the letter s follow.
6h06
